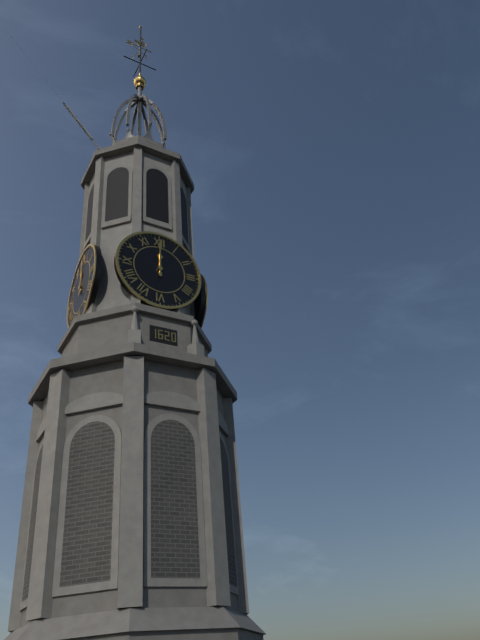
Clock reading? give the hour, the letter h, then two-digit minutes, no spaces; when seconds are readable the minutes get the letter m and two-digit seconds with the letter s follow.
12h00
